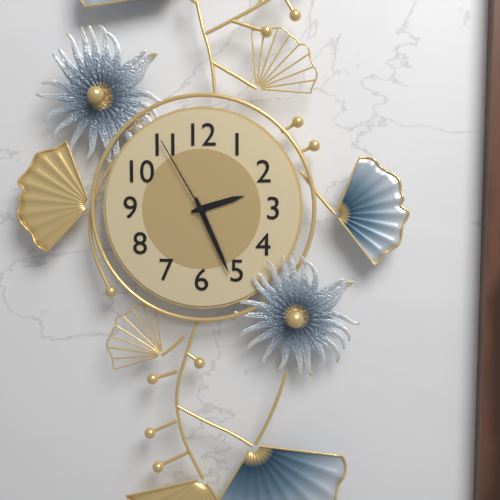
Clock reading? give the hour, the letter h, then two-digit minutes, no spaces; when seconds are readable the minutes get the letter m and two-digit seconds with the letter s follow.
2h26m55s
